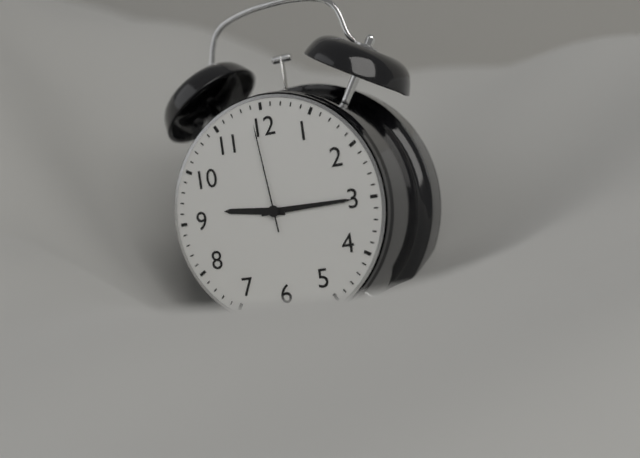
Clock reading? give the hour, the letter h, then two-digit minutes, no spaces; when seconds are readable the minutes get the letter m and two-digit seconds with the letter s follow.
9h15m59s
